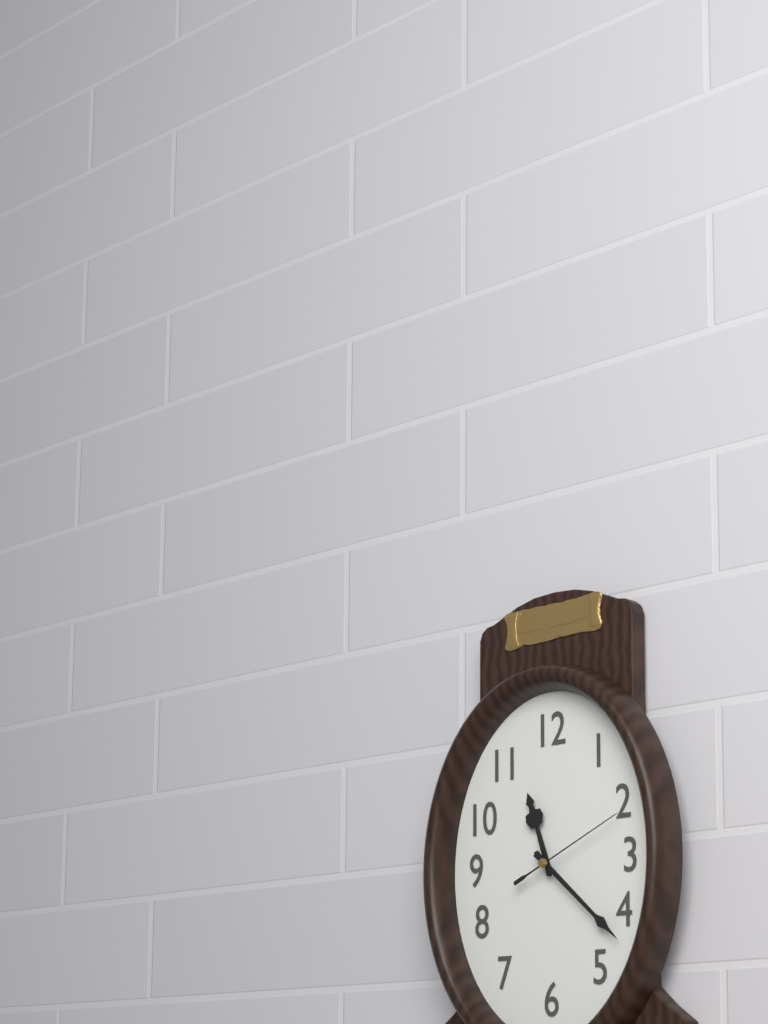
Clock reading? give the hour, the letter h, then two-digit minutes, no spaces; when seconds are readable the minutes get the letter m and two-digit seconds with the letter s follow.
11h22m11s
